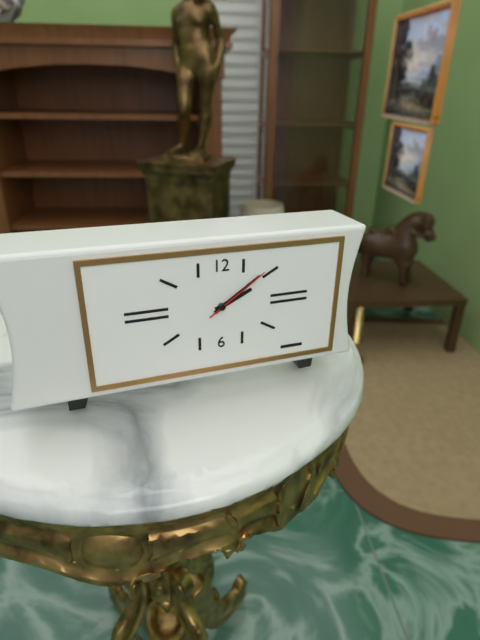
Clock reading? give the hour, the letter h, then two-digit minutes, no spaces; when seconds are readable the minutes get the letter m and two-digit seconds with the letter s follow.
2h09m09s
